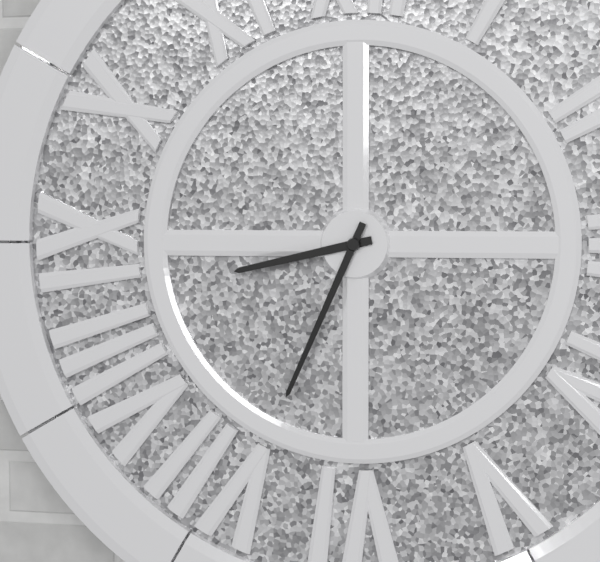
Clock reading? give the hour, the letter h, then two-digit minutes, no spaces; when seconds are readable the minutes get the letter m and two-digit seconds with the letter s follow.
8h34
